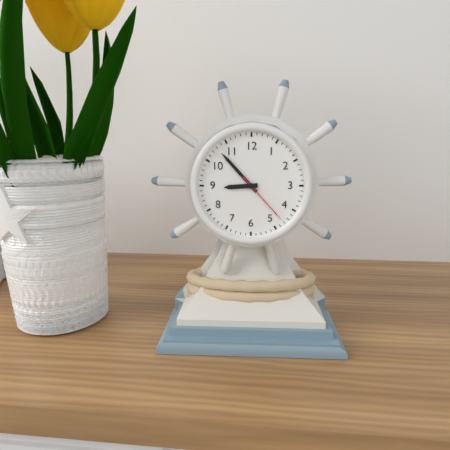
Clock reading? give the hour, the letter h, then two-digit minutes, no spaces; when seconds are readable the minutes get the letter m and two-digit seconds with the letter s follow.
8h53m23s
